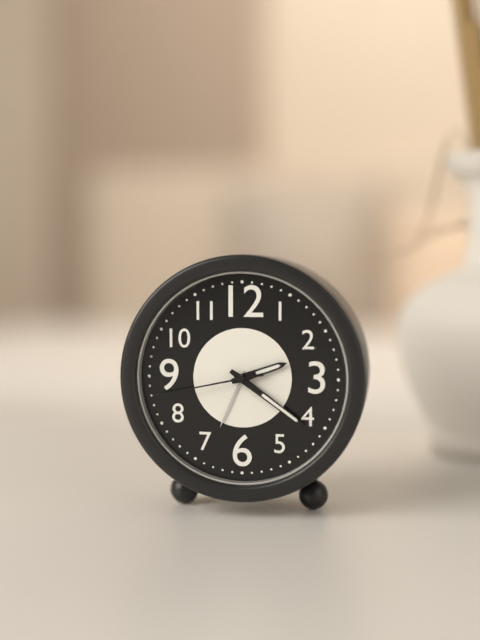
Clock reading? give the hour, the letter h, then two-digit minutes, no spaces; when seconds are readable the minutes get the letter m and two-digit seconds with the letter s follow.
2h21m43s
